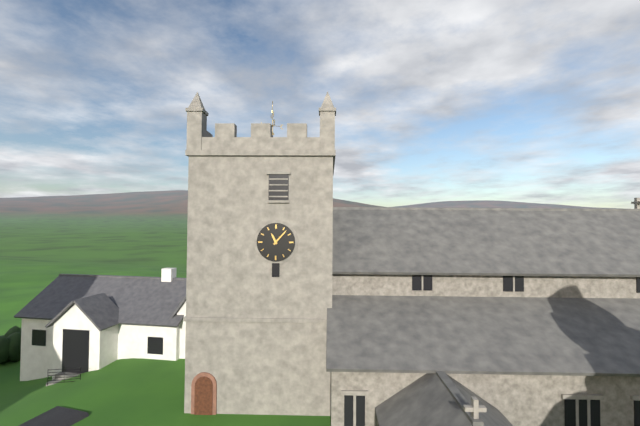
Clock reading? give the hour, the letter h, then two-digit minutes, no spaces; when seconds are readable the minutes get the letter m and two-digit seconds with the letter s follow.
11h07
